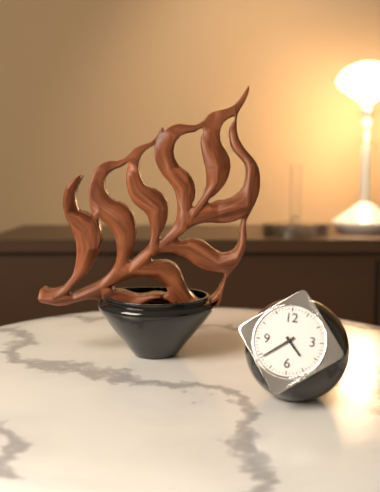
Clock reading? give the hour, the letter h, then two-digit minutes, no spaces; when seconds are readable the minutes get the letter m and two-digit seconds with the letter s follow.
4h39
